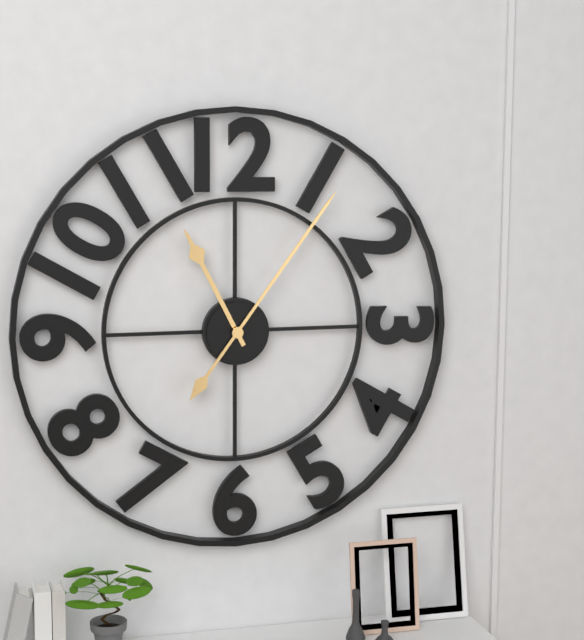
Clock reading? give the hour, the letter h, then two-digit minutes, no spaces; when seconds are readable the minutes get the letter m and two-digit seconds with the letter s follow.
11h06
